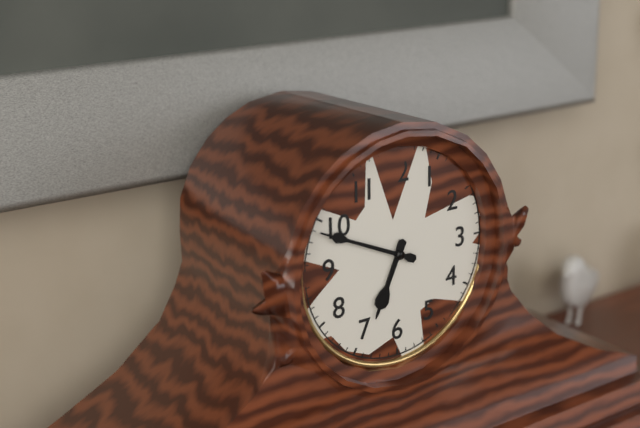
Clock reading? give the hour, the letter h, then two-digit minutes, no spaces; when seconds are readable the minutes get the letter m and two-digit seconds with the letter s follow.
6h49
